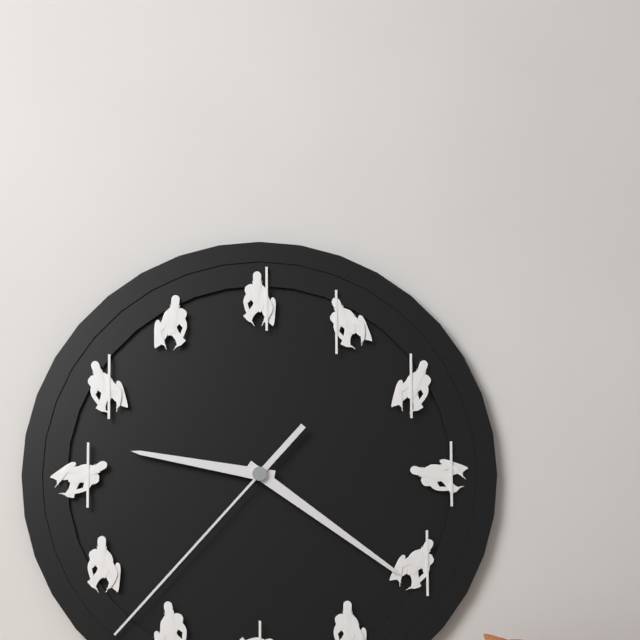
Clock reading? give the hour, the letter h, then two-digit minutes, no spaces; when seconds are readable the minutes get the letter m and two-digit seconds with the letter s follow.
9h21m37s
